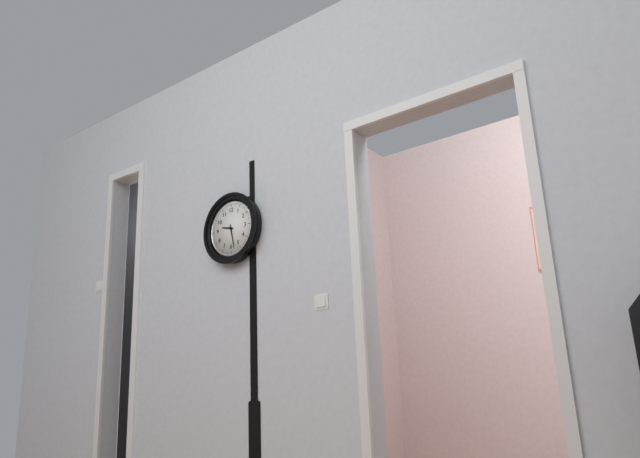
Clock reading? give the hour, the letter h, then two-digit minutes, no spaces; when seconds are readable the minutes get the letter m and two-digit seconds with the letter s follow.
9h28
